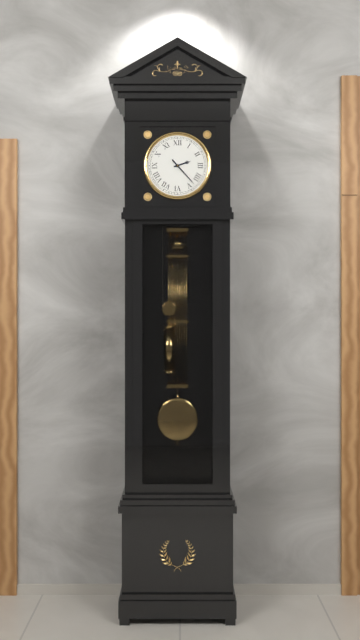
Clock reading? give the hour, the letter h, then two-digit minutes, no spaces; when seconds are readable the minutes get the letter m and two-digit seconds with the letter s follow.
2h23
